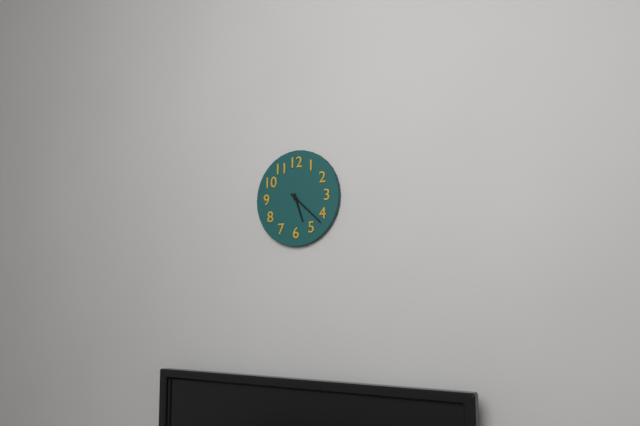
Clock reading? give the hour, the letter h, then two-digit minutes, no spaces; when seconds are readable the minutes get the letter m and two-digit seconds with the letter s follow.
5h22
